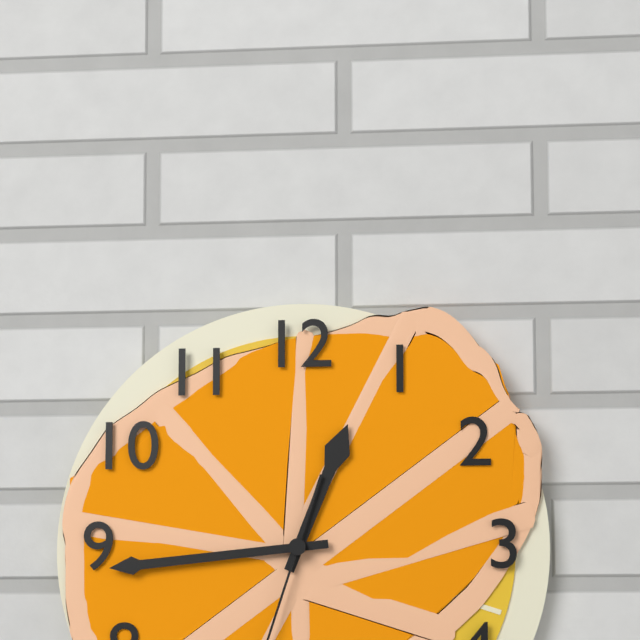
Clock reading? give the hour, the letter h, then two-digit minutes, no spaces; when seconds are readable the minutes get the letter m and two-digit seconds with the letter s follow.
12h44
